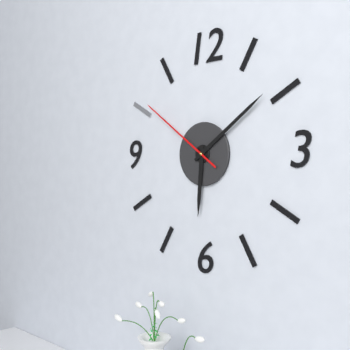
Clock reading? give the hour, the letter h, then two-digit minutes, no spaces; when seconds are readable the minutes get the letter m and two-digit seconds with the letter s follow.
6h09m51s
